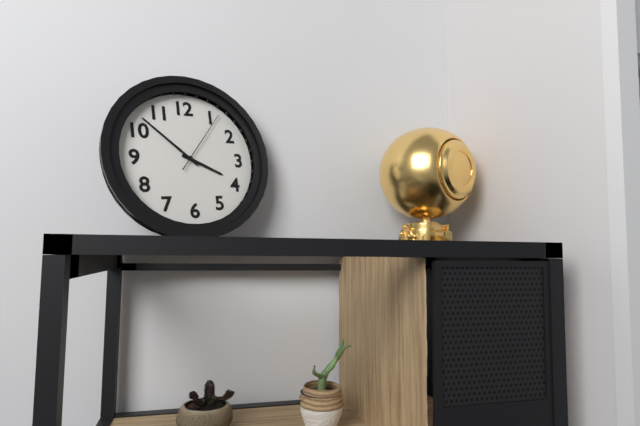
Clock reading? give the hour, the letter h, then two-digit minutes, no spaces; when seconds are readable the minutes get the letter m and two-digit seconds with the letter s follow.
3h52m06s
